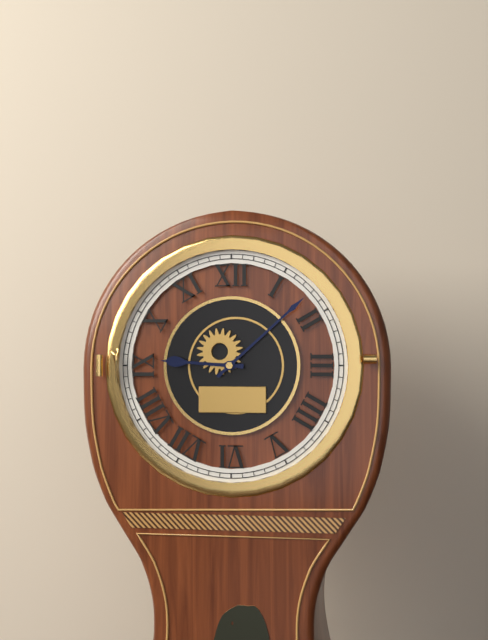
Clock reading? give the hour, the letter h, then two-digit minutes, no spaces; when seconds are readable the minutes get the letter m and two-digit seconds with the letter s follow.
9h08
